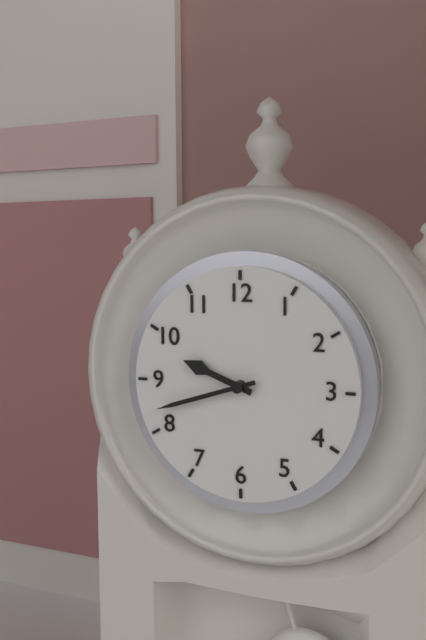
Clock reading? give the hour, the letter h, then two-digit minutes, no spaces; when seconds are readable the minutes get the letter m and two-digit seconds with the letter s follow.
9h42
